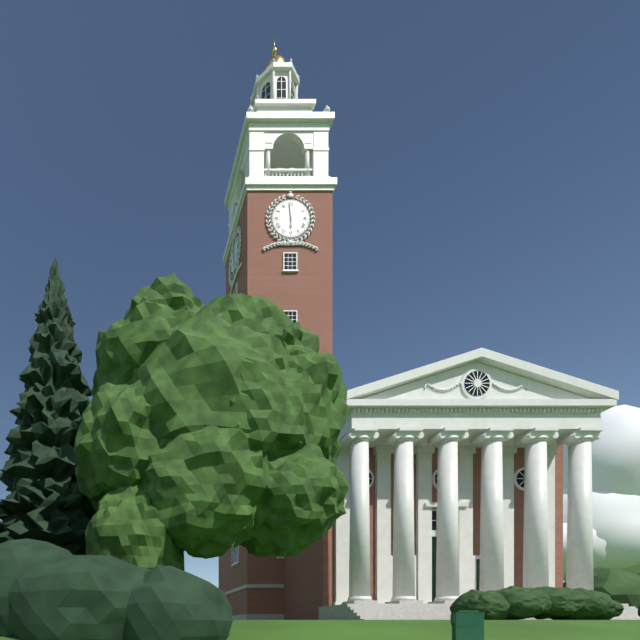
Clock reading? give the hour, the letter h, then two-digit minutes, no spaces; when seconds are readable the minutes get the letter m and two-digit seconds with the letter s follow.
5h59
